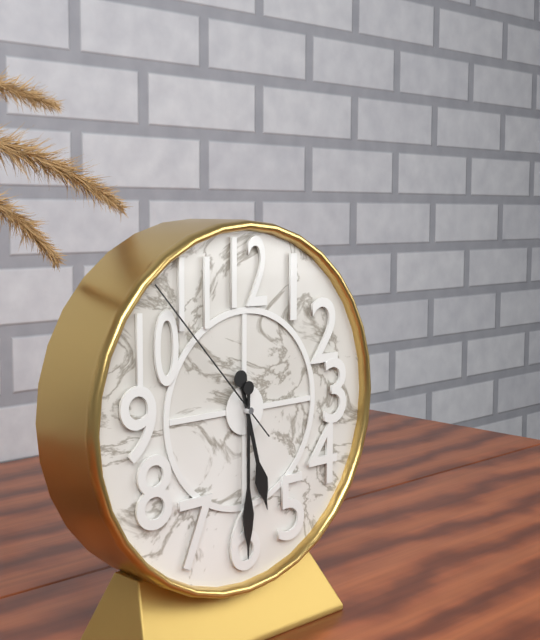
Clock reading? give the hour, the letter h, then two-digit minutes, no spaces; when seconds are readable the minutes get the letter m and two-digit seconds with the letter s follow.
5h30m53s
